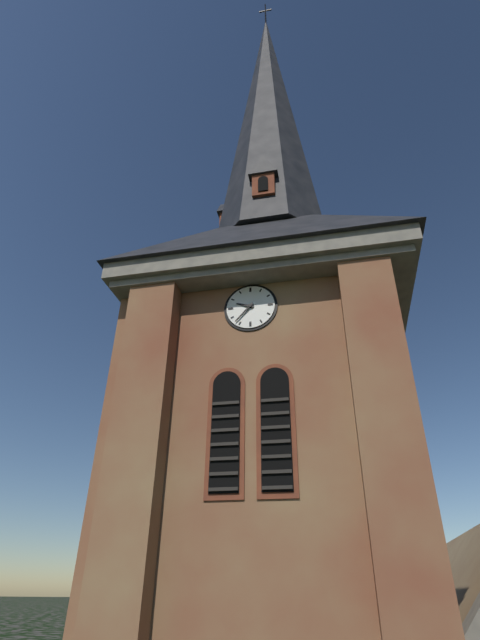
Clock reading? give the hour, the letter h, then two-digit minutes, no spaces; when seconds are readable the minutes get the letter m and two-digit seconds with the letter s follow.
9h37
